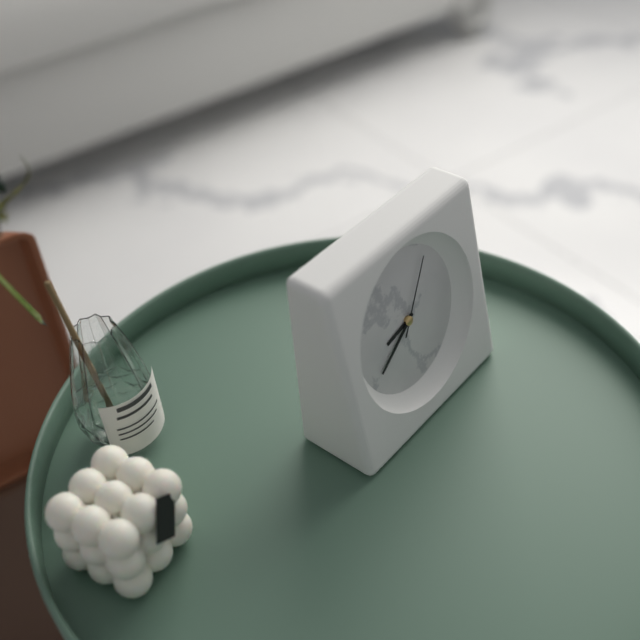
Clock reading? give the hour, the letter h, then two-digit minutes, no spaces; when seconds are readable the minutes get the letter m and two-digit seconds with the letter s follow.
8h40m06s
